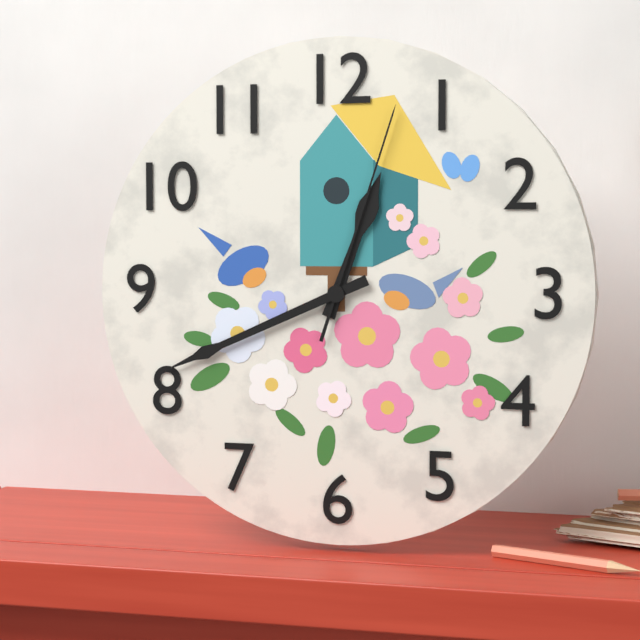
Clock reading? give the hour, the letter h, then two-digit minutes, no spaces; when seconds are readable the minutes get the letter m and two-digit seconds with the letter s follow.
12h41m03s
